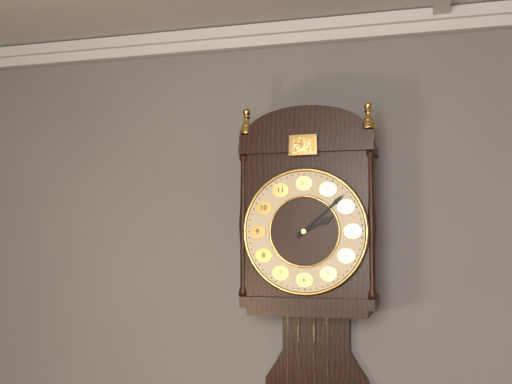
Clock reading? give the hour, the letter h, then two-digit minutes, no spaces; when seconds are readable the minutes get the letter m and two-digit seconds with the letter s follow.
2h08
